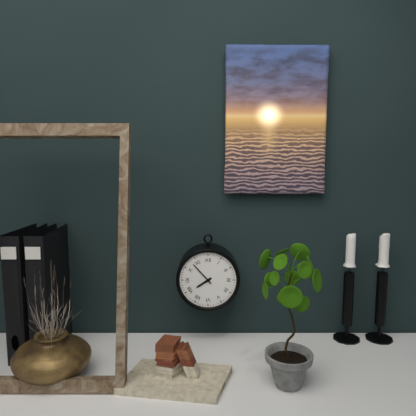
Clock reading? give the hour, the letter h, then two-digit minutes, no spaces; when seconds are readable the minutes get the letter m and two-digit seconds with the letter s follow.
7h53
